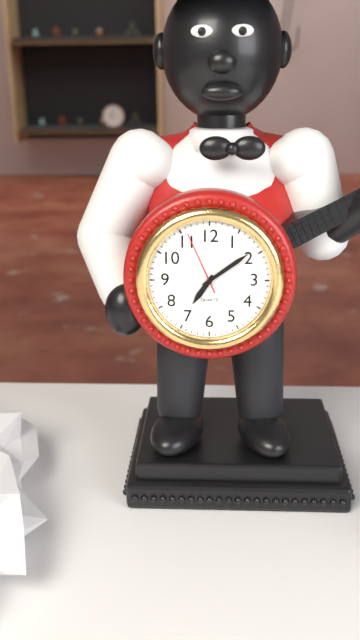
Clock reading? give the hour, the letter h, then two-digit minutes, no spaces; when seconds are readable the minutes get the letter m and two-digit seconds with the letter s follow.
7h09m56s
